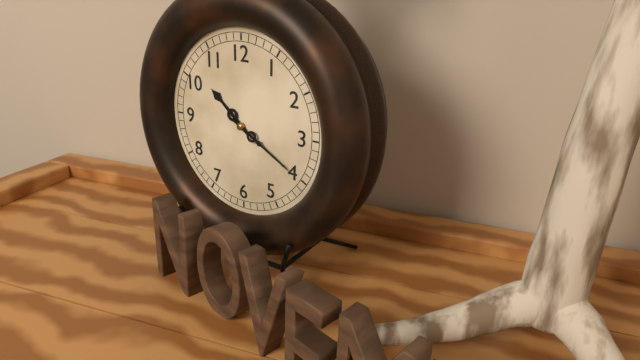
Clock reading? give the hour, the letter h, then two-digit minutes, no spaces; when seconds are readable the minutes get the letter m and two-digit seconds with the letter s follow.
10h20
